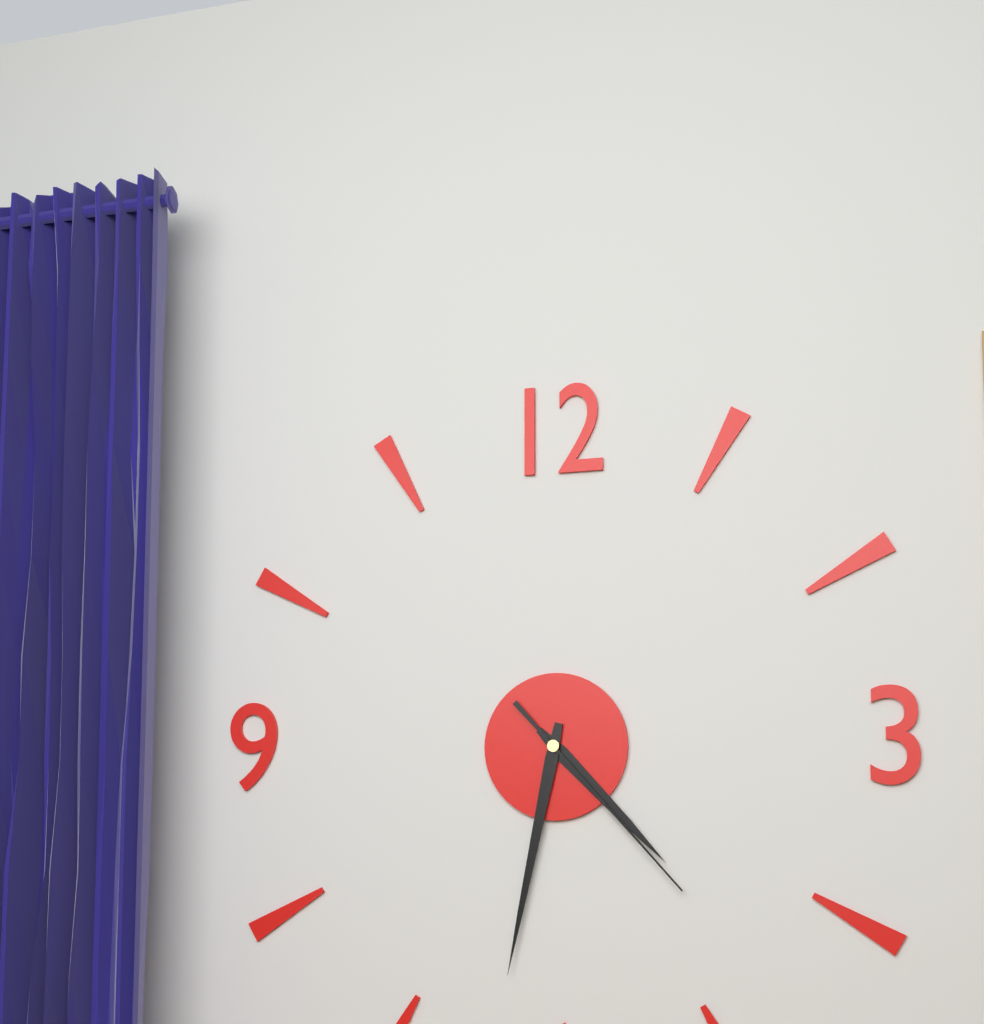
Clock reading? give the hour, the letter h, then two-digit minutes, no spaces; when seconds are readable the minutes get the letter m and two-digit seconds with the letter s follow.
4h32m23s
